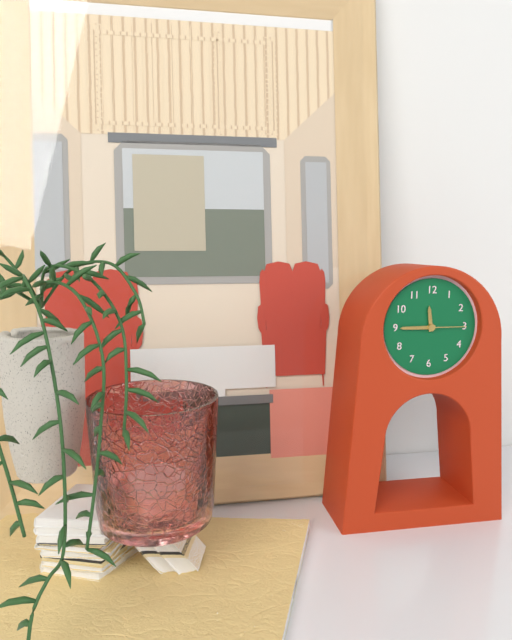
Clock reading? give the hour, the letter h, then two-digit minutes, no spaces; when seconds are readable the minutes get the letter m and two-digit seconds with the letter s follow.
11h45
